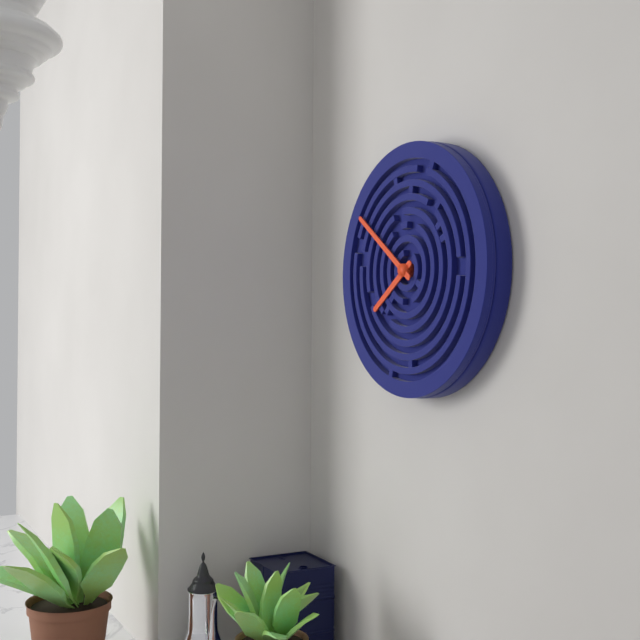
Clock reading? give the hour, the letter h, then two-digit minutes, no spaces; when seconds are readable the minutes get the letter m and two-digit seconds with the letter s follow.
7h51
